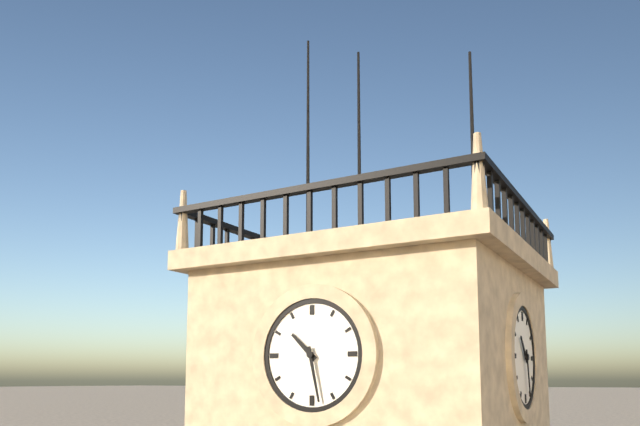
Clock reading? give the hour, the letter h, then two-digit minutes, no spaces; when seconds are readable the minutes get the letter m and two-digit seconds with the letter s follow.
10h28
